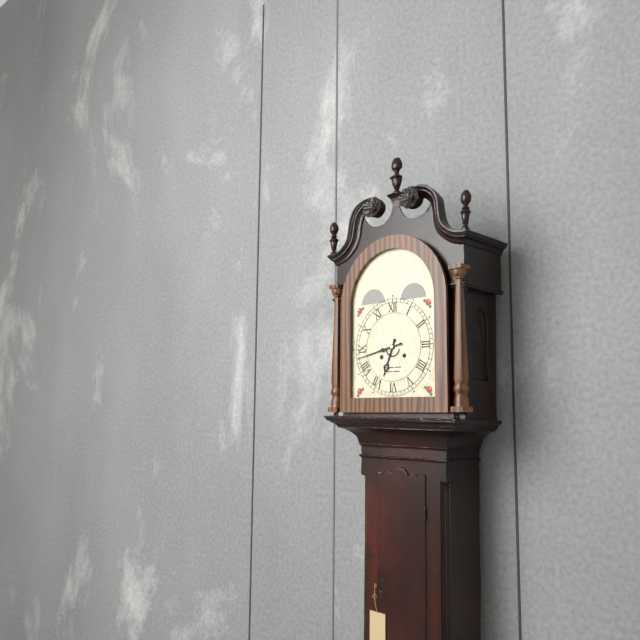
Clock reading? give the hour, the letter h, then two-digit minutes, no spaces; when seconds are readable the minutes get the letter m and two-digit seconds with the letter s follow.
6h43
